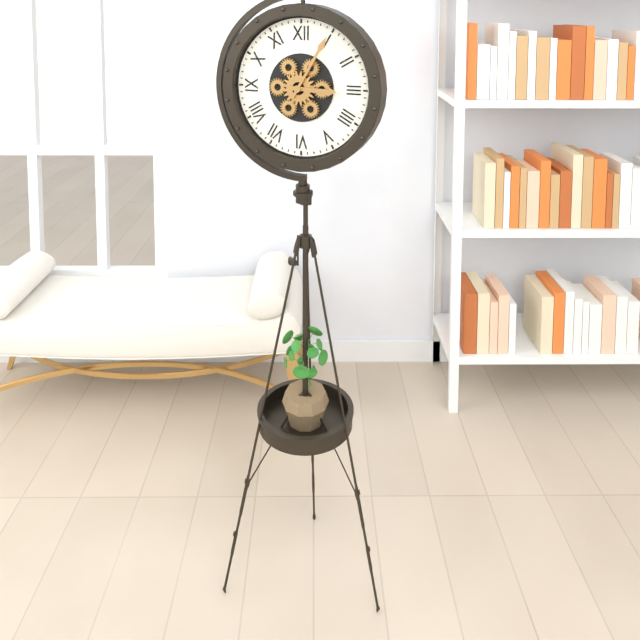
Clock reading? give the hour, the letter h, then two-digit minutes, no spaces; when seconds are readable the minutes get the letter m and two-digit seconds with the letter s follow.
3h05
